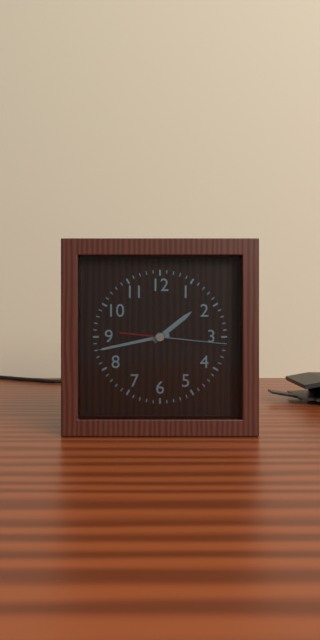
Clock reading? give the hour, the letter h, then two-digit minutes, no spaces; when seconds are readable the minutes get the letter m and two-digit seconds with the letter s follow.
1h43m16s
